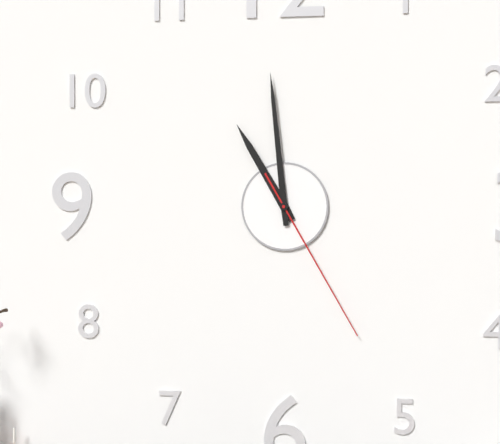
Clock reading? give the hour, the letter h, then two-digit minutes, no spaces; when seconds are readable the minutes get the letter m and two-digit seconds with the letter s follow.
10h59m25s
